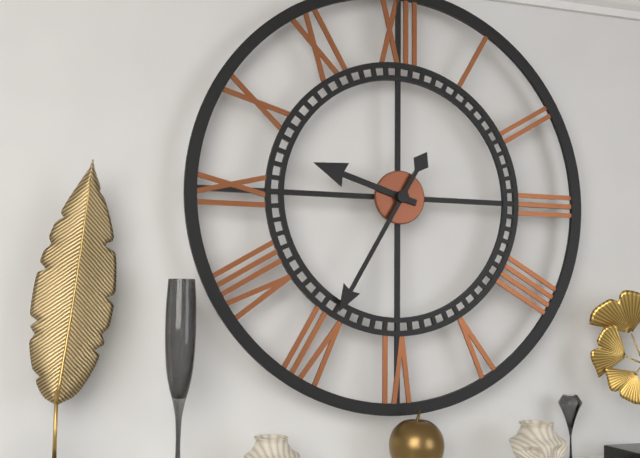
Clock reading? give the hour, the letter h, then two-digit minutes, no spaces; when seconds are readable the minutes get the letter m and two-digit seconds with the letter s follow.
9h35
